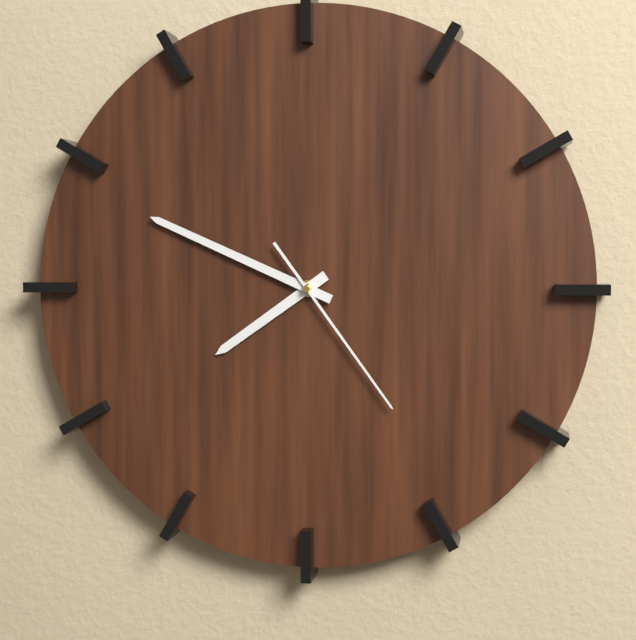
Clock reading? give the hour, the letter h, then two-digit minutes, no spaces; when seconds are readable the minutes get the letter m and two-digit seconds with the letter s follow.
7h49m24s
